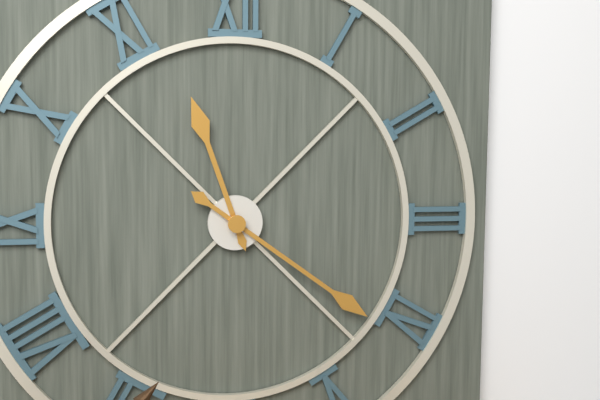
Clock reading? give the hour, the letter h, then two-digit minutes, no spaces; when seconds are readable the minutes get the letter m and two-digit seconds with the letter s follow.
11h21
